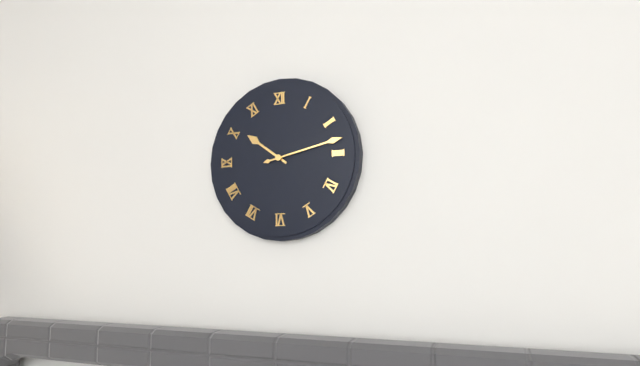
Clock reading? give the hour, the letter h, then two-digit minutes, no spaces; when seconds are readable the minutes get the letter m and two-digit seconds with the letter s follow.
10h13
